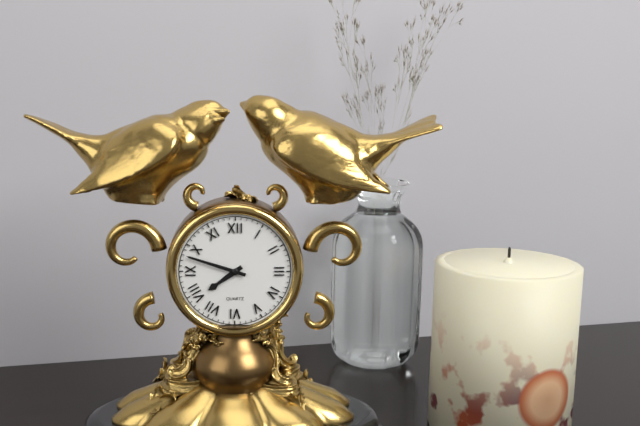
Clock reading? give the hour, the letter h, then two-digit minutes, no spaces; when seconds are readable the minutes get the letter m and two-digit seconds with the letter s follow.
7h48
